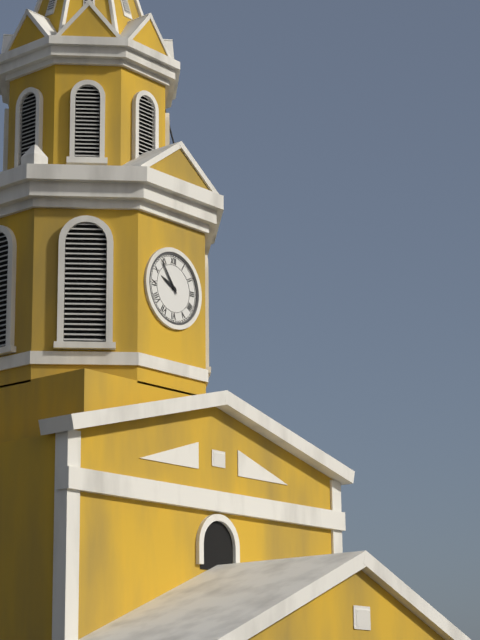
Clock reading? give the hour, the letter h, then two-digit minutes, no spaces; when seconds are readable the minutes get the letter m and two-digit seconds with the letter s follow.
9h54
